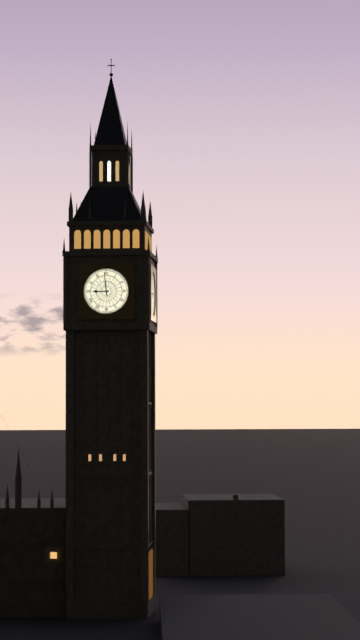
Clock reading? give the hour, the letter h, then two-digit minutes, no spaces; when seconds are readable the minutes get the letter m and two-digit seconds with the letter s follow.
8h59
